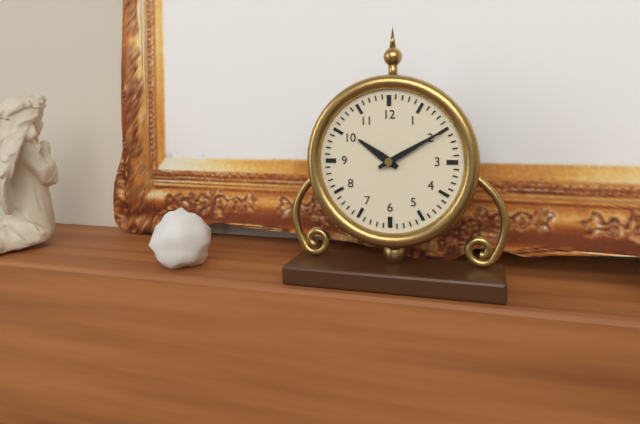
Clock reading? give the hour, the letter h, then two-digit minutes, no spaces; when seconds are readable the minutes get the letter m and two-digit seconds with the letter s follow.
10h10
